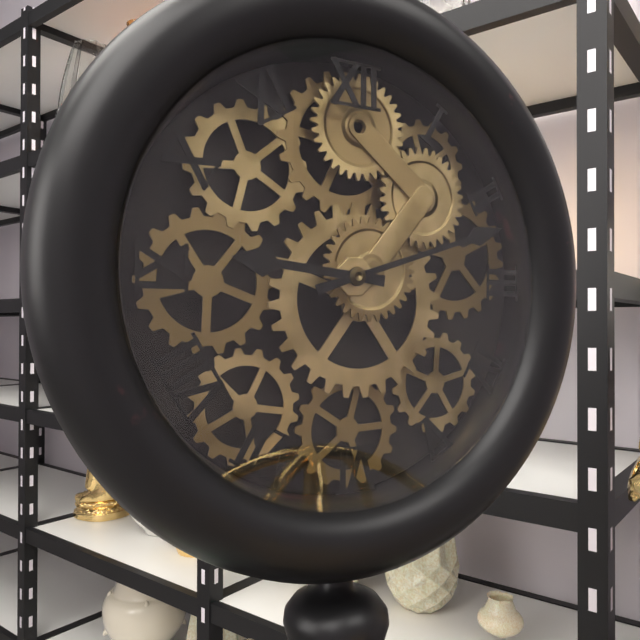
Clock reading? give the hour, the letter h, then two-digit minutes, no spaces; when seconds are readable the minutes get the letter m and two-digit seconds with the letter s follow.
9h12
